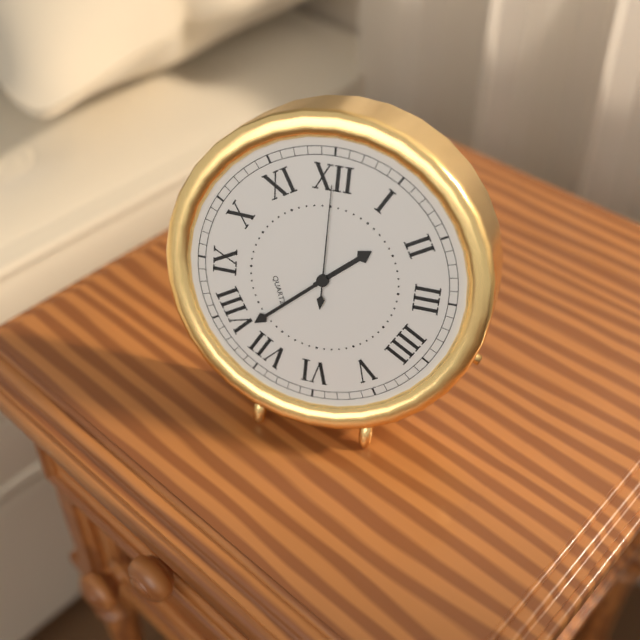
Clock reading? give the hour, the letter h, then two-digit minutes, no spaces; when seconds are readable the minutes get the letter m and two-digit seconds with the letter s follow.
1h38m00s
